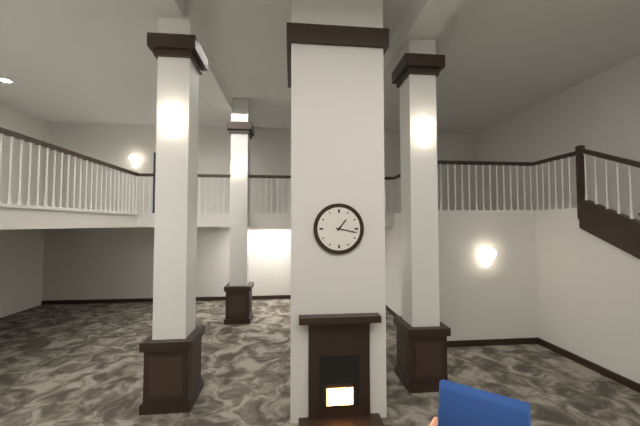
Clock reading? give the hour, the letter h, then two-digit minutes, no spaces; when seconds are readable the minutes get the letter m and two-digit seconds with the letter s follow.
1h17
